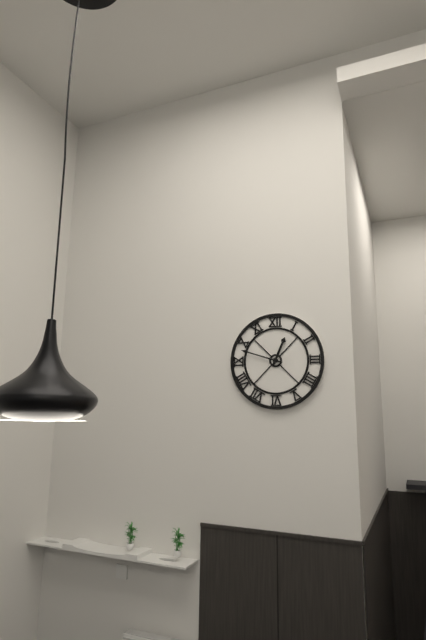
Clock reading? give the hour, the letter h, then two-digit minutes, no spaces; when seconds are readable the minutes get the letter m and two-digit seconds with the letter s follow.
12h48
